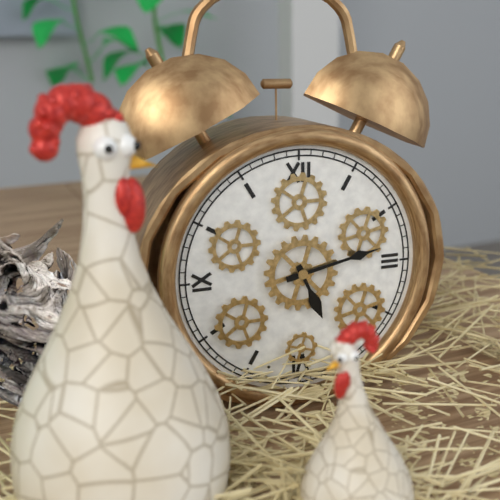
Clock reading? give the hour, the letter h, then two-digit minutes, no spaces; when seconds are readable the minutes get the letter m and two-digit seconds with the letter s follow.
5h13
